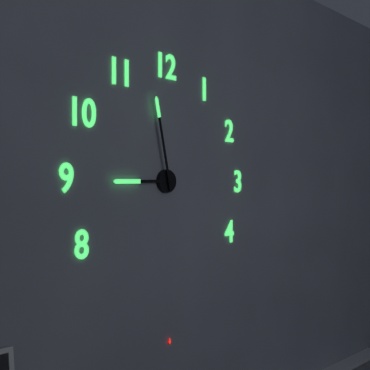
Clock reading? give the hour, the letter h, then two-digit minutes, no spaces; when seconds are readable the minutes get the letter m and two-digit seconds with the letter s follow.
8h58
